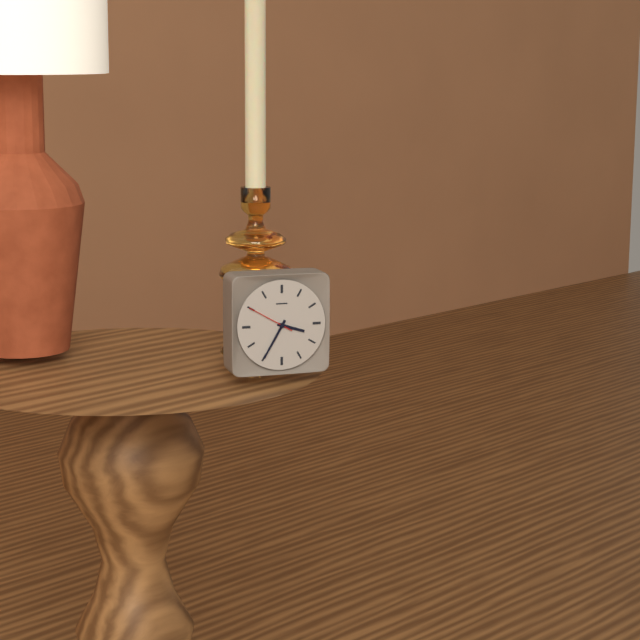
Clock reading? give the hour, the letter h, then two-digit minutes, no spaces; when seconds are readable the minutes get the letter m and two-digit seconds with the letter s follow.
3h35
